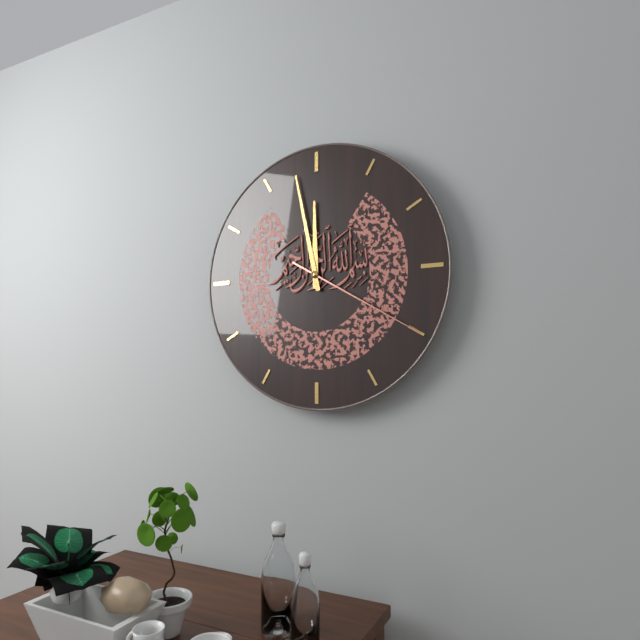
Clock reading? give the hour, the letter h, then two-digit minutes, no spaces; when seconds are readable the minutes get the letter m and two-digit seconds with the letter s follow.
11h58m20s
